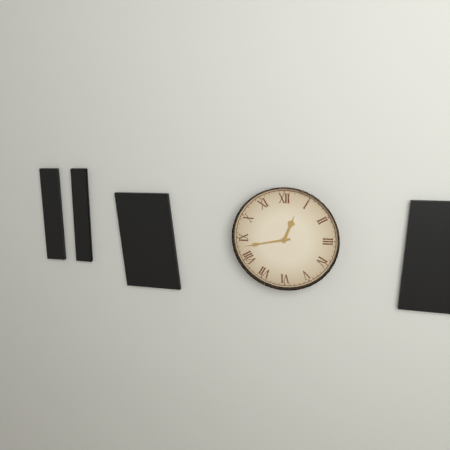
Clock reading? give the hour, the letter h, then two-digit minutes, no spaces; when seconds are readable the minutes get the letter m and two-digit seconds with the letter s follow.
12h43
